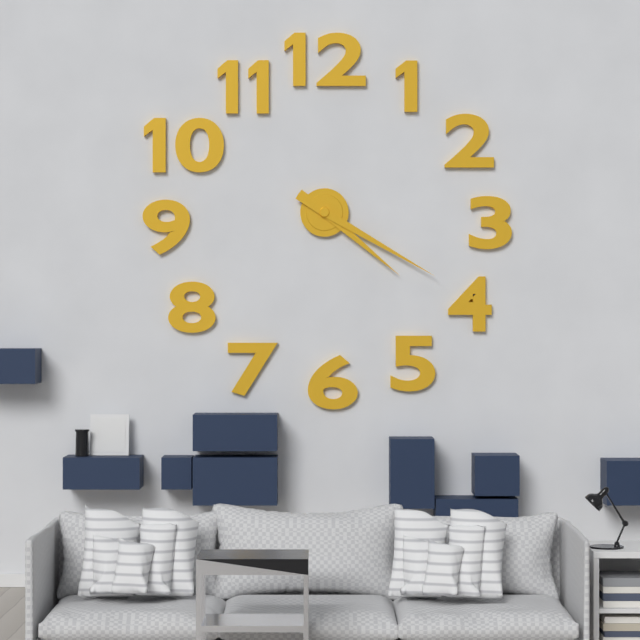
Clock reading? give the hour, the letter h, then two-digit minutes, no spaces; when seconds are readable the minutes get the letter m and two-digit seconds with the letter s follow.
4h20
